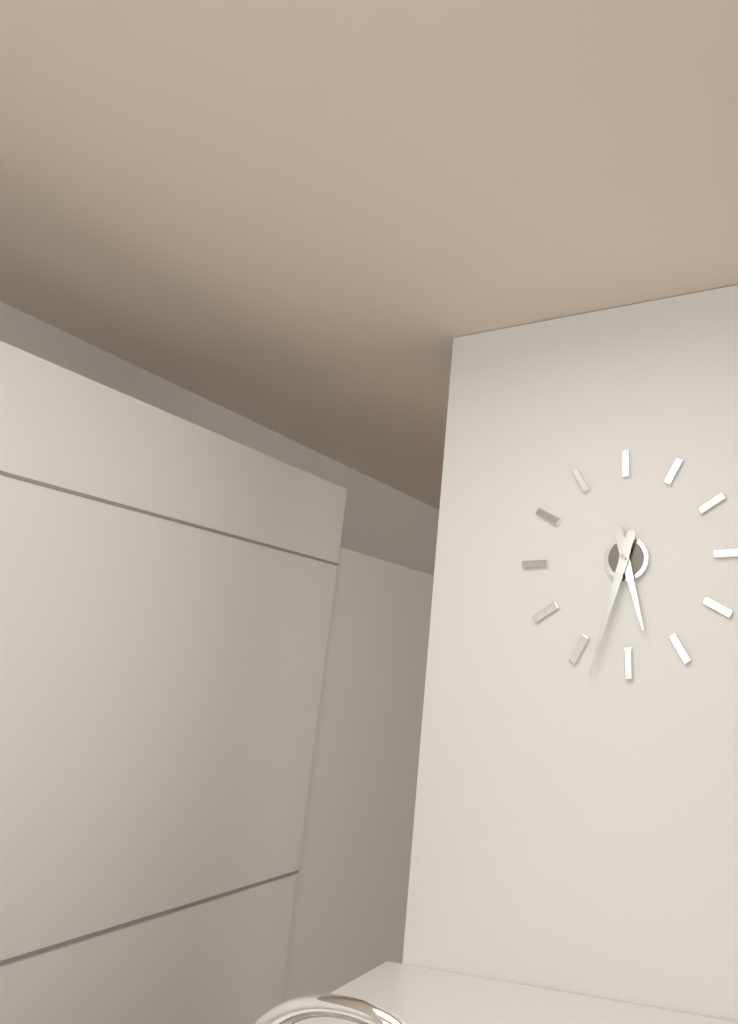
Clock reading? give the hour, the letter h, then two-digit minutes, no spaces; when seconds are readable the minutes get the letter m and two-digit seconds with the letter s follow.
5h33
